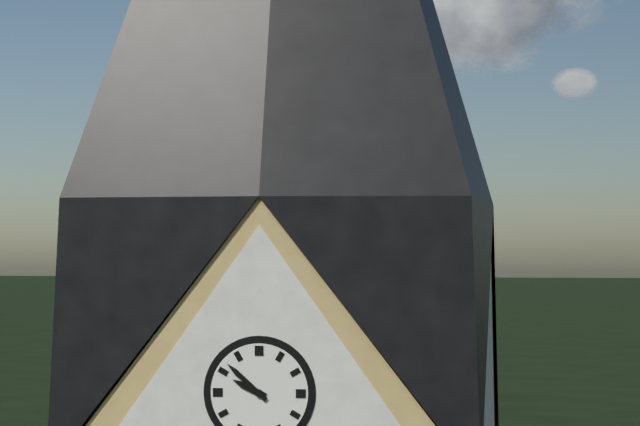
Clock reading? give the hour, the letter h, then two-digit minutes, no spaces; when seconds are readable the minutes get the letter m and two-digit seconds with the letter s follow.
9h52
